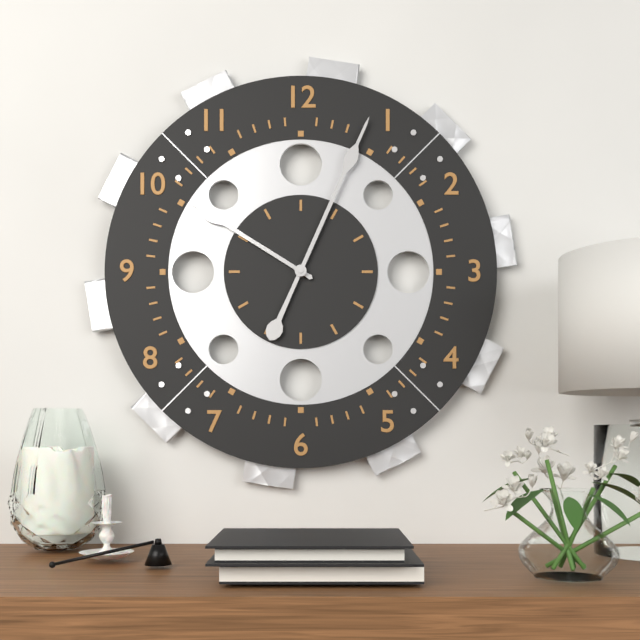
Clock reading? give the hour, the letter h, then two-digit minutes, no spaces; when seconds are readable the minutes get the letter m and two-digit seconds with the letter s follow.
10h04
